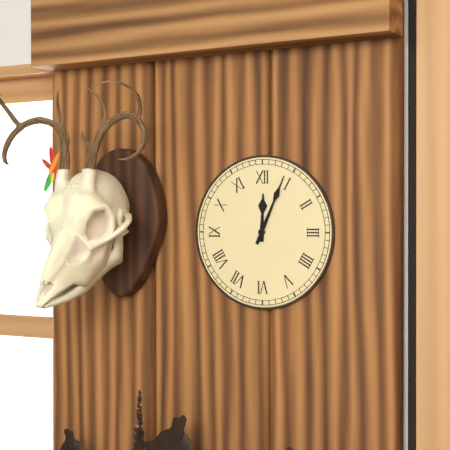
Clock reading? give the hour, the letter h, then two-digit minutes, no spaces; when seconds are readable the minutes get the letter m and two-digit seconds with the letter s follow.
12h04
